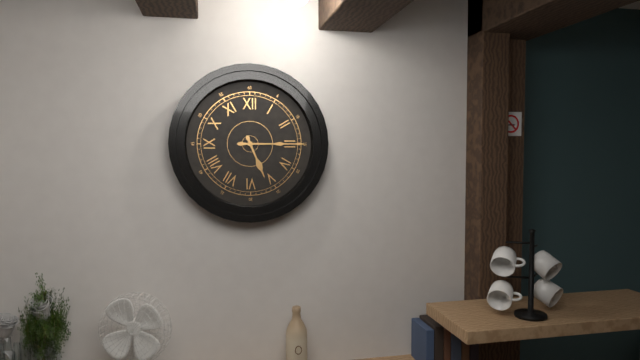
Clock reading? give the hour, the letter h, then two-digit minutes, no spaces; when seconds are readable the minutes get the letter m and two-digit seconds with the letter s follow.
5h15
